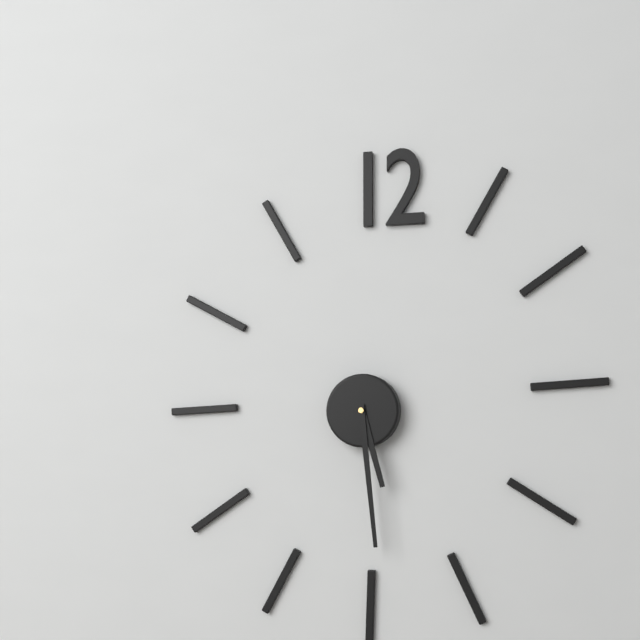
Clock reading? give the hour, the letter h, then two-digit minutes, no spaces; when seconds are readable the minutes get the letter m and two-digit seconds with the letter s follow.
5h29
